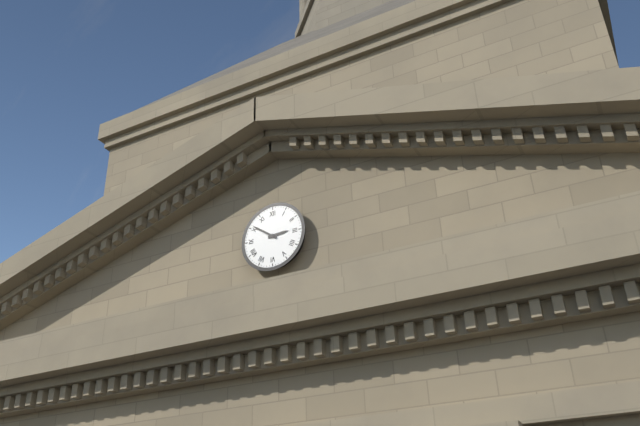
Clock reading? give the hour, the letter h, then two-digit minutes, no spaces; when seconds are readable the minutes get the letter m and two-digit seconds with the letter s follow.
2h51
